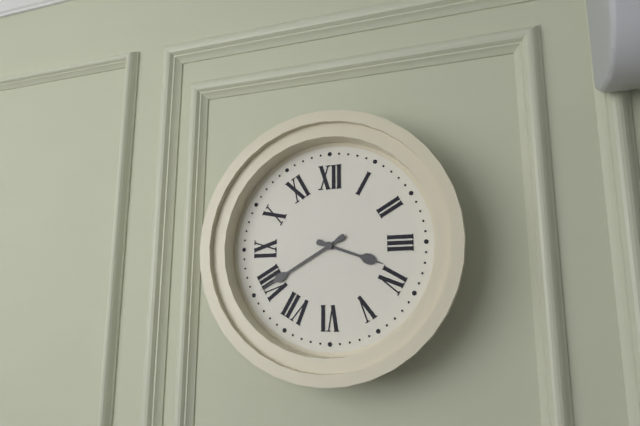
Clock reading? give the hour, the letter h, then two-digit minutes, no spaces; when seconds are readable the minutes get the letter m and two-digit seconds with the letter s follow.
3h40
